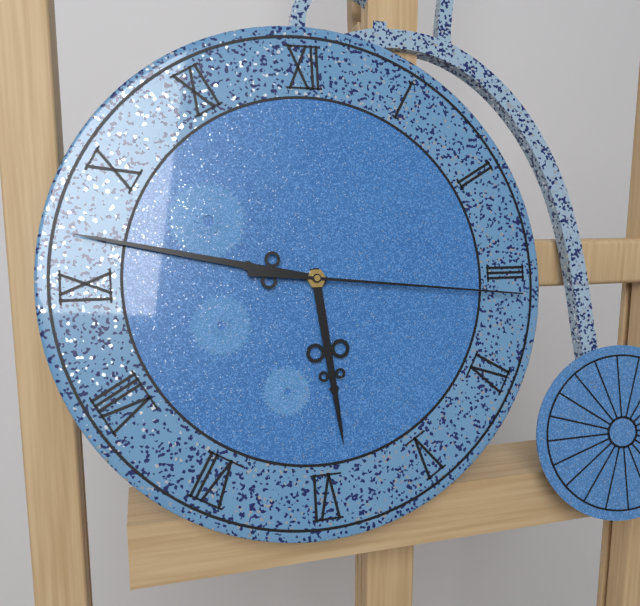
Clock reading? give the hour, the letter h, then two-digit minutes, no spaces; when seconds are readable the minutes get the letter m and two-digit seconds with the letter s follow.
5h47m16s
